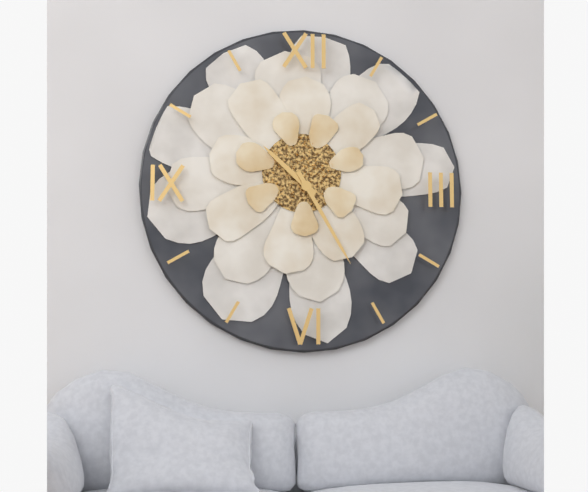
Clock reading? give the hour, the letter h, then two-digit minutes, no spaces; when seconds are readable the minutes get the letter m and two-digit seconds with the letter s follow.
10h25
